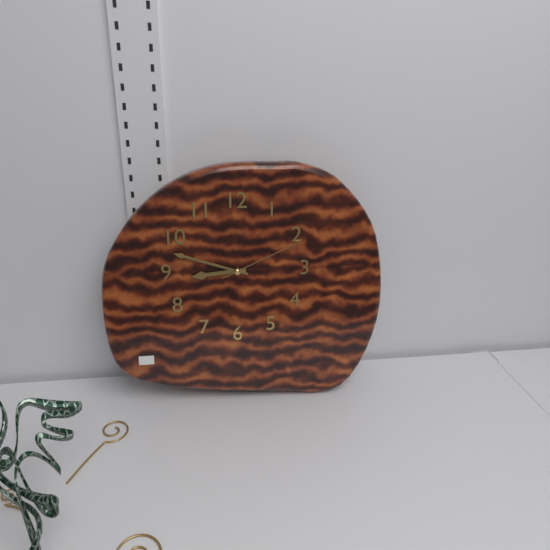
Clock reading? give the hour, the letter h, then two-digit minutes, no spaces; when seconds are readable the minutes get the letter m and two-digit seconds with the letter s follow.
8h48m11s
